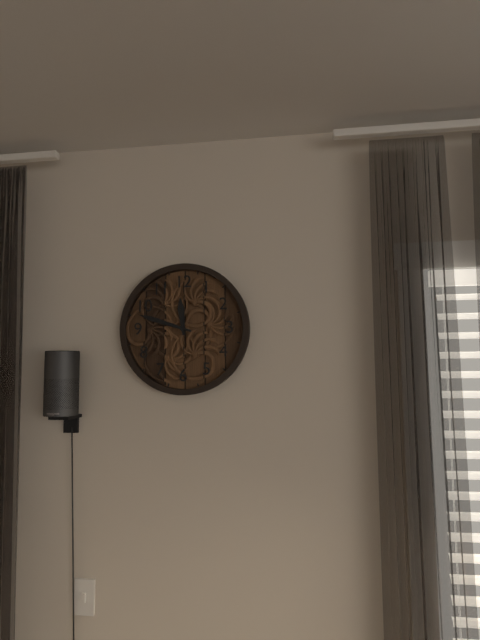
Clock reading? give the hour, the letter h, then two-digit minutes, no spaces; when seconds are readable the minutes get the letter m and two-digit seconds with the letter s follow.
11h48
